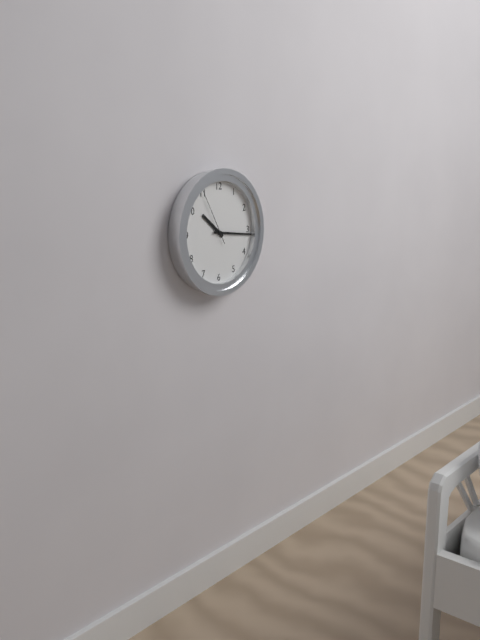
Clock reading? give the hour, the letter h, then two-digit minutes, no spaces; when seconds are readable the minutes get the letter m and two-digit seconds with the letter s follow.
10h16m55s
